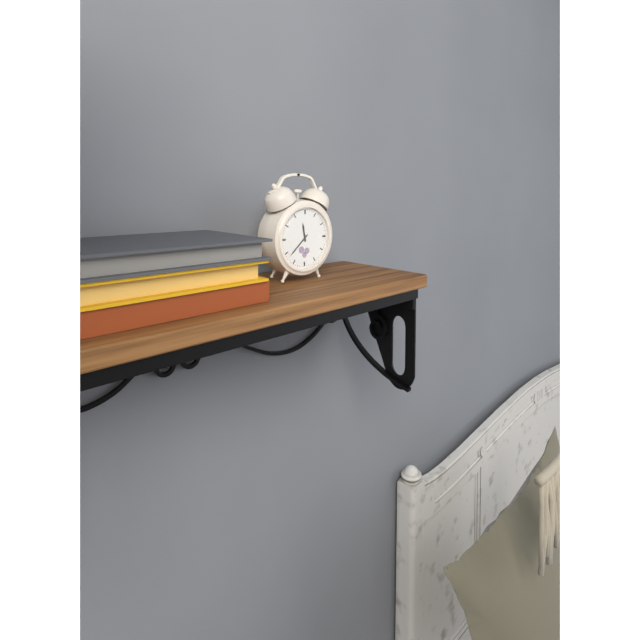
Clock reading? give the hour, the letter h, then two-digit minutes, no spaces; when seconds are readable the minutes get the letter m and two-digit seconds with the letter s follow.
11h38
